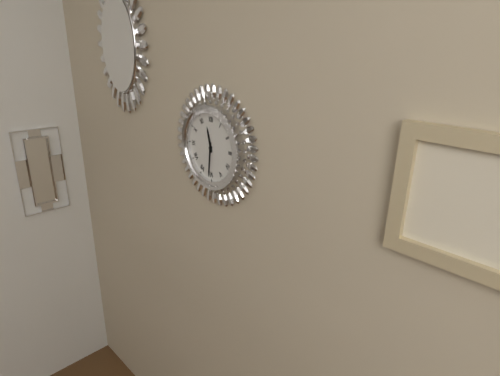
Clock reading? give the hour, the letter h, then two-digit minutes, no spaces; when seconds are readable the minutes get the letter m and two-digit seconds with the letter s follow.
11h31
